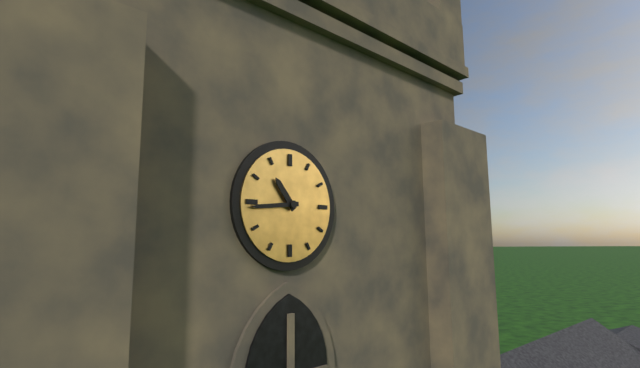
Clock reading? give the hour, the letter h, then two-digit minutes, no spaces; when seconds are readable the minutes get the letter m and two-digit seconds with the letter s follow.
10h44
